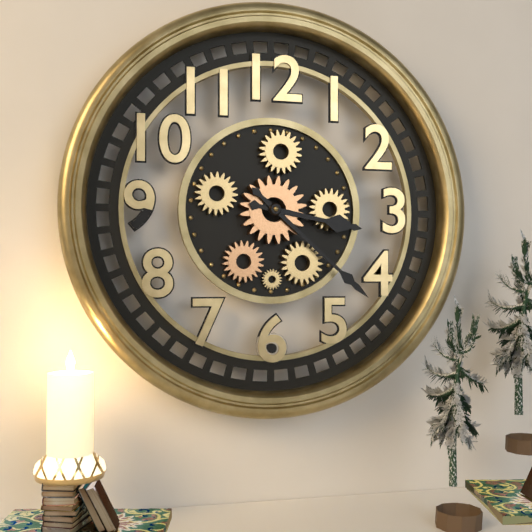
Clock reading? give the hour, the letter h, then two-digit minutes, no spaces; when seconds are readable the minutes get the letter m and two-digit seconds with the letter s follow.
3h22
